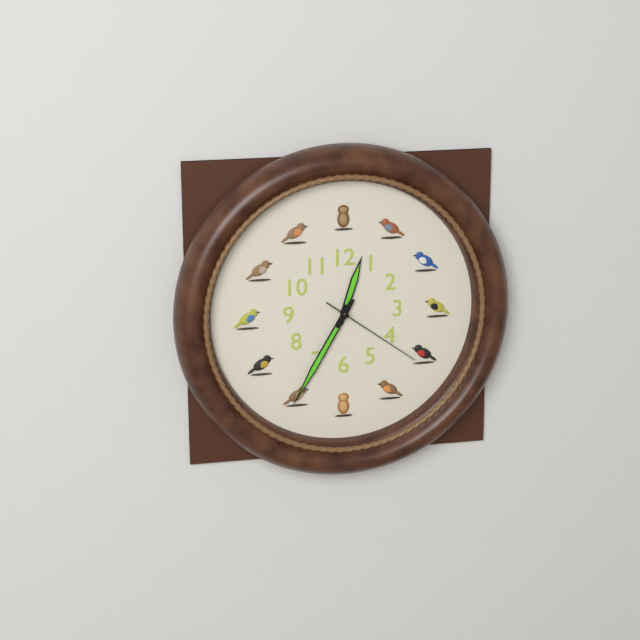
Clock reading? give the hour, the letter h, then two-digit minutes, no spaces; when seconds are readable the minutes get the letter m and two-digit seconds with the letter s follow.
12h35m21s
